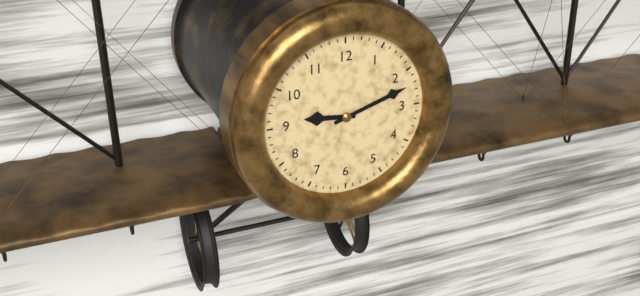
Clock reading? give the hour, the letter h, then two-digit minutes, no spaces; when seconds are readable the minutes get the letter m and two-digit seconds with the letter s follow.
9h12
